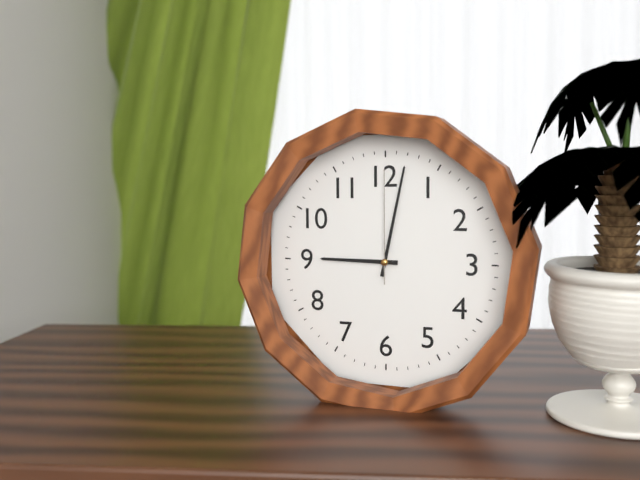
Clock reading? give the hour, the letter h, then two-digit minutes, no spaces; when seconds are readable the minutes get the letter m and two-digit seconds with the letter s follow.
9h02m00s
